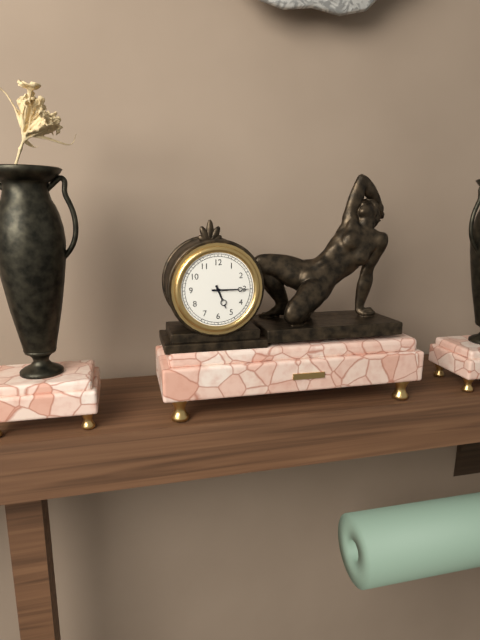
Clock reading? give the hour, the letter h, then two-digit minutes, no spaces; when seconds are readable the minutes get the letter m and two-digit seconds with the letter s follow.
5h15
